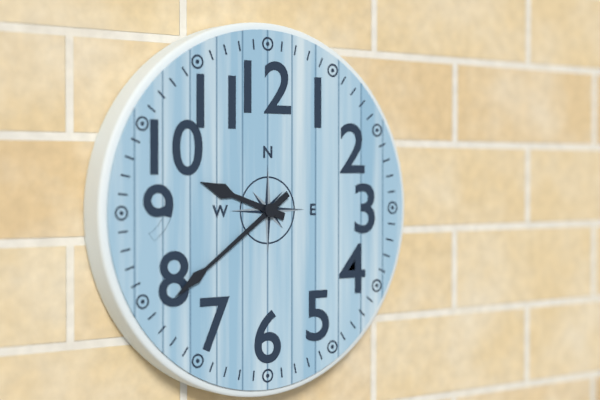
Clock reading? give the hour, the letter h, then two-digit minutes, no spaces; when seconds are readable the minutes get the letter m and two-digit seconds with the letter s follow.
9h39
